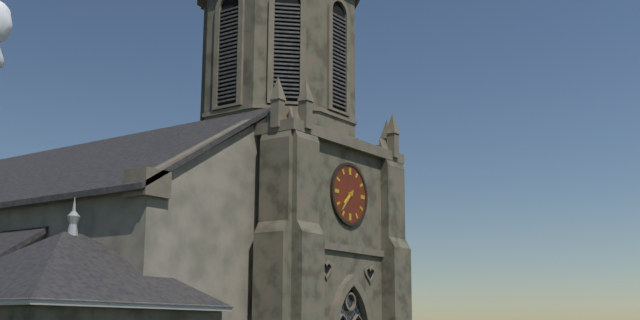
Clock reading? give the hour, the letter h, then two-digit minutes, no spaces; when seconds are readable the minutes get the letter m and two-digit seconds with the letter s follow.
7h37
